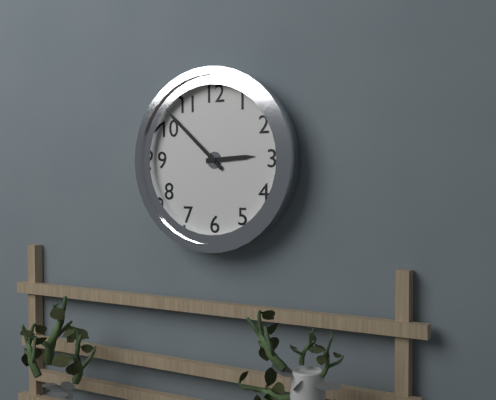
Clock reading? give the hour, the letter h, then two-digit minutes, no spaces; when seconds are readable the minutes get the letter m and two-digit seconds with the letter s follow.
2h52
